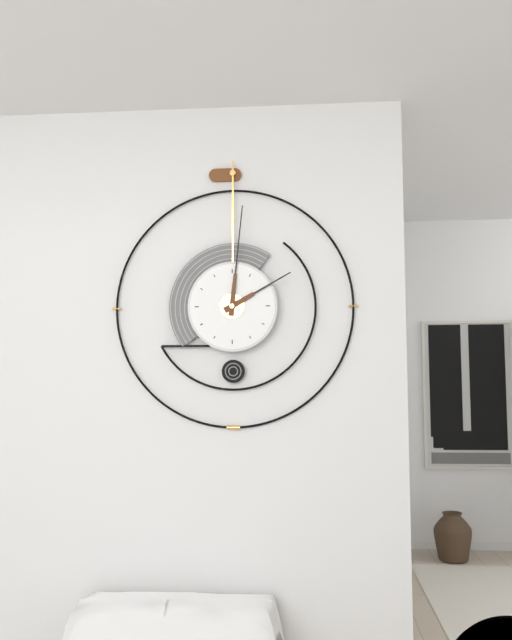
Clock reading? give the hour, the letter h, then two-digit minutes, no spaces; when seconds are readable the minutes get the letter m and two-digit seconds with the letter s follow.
2h01
